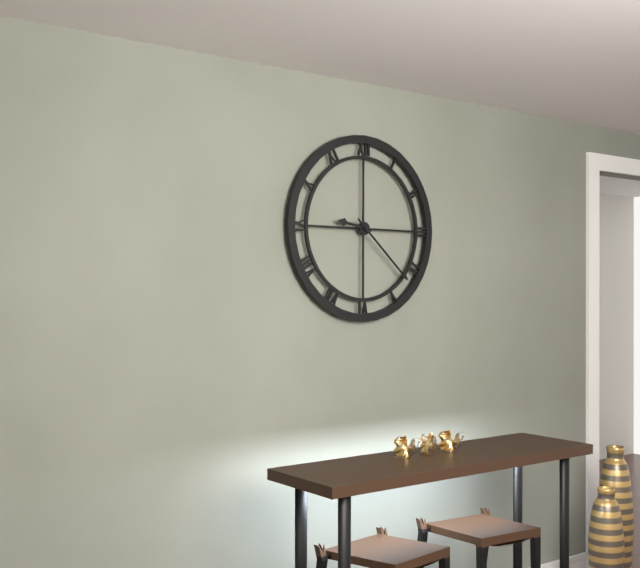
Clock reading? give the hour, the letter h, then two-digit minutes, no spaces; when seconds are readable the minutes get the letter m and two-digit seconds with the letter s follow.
9h22
